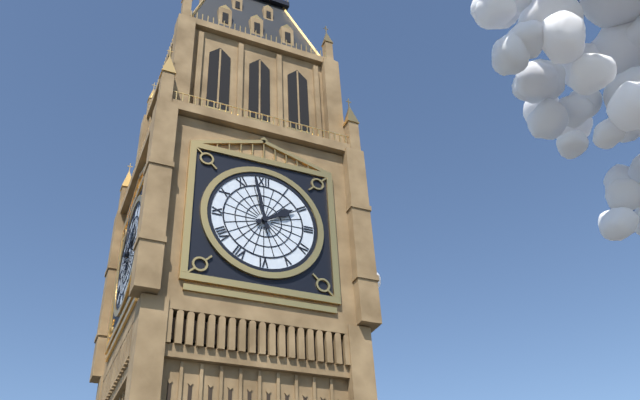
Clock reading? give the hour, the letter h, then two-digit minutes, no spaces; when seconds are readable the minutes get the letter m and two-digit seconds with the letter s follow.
1h58
